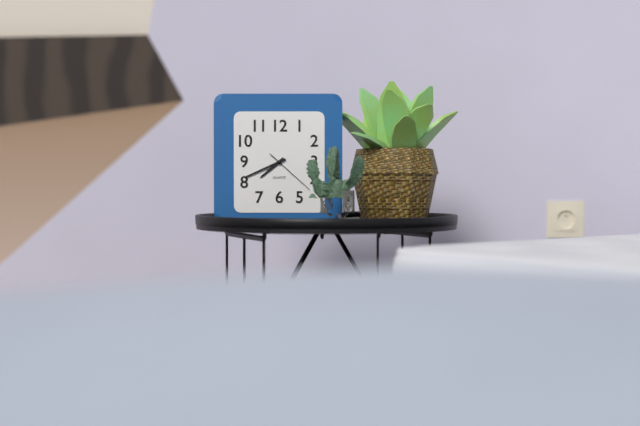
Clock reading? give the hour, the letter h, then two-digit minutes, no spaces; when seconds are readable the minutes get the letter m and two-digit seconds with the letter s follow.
7h41m22s
